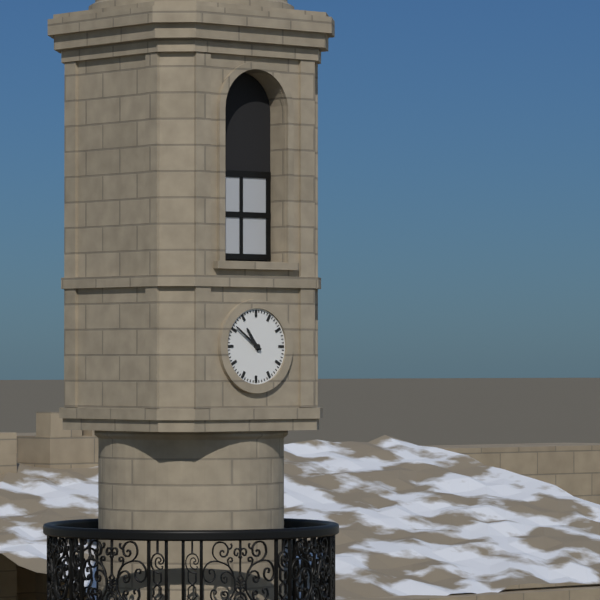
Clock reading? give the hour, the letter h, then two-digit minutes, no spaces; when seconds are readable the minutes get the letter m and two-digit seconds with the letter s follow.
10h51
